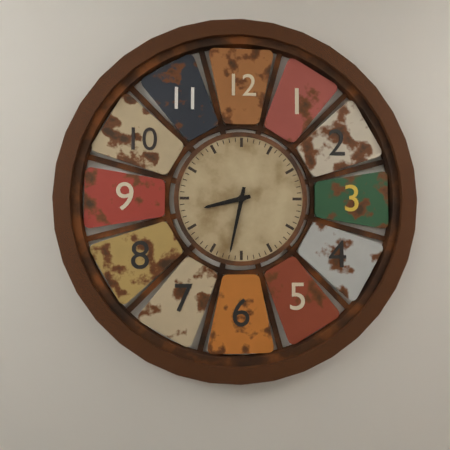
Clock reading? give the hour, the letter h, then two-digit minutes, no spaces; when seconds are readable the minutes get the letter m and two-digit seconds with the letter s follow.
8h32
